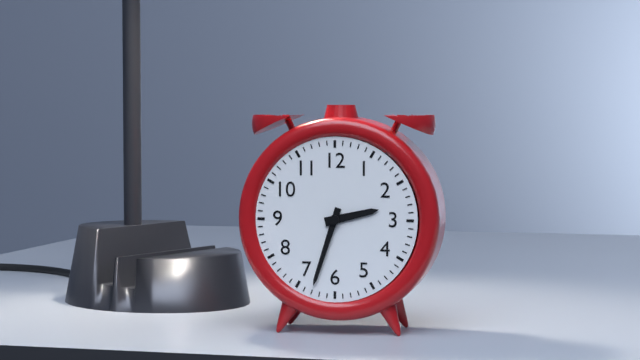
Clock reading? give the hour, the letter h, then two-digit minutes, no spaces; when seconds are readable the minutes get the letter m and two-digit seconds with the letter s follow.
2h33
